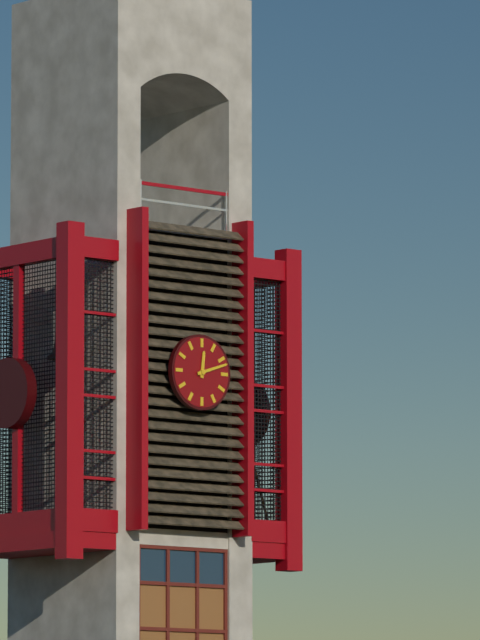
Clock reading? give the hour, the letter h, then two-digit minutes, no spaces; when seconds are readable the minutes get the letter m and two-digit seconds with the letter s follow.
12h12
